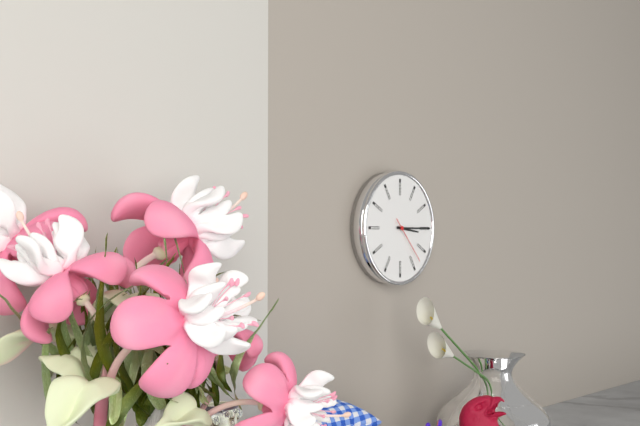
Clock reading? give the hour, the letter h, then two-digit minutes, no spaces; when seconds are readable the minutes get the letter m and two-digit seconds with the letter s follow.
3h15
